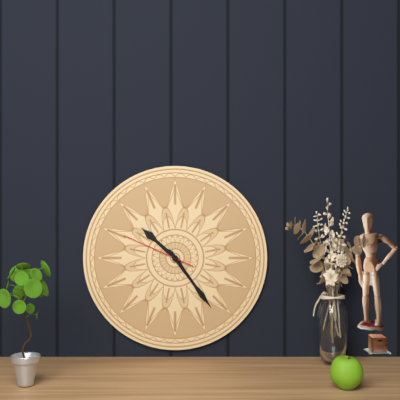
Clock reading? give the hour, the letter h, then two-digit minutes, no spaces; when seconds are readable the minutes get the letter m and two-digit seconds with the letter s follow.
10h24m49s
